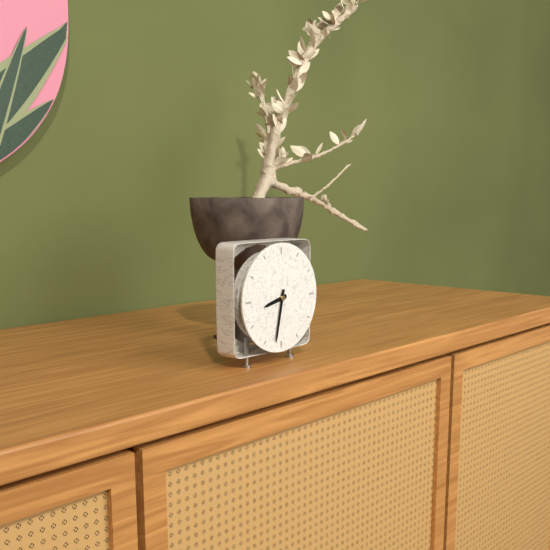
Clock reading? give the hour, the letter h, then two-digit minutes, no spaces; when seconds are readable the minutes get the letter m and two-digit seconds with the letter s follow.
8h32
